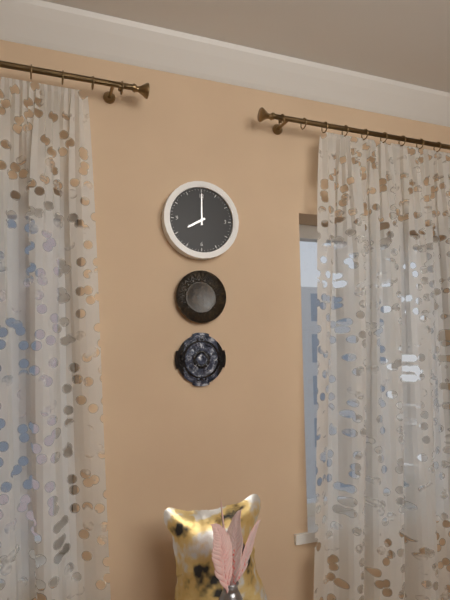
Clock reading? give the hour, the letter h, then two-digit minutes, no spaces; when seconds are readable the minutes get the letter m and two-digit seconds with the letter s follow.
8h00
